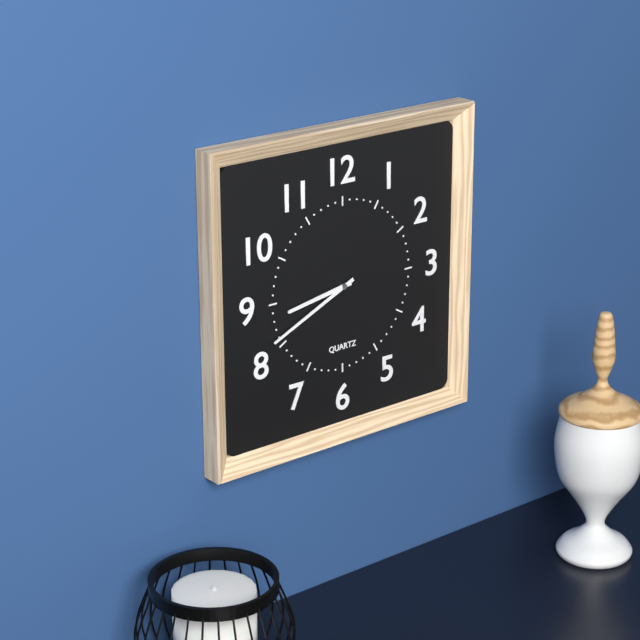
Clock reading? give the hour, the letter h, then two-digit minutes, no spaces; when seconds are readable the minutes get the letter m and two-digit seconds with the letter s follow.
8h41
